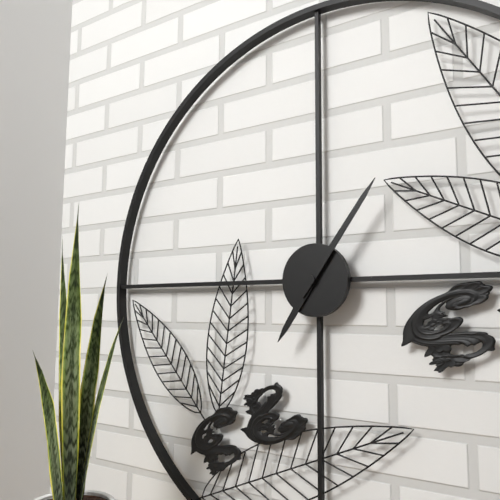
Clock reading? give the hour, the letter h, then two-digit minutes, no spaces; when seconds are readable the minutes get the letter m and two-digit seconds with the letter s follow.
7h06
